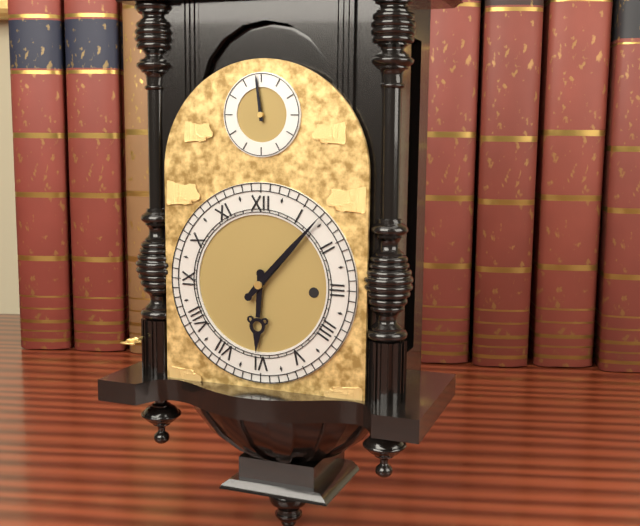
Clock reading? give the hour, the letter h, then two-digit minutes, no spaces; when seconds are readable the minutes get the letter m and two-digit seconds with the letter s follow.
6h07
